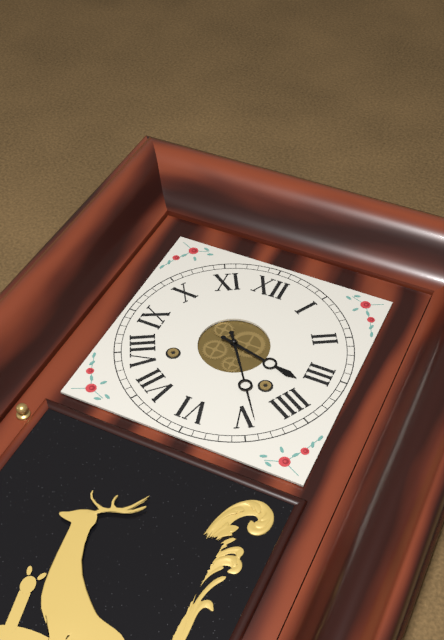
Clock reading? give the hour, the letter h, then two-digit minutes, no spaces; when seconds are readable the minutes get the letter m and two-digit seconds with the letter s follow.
3h24
